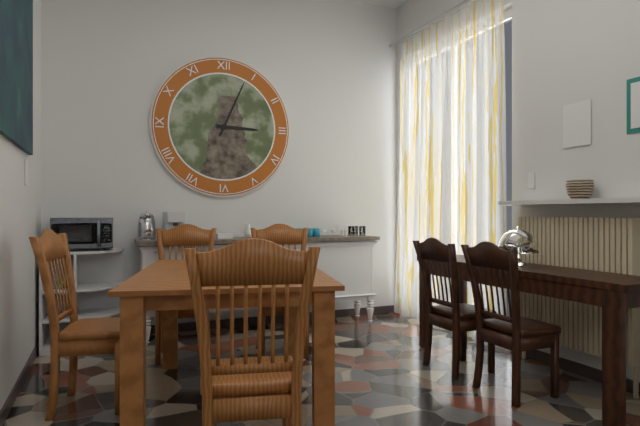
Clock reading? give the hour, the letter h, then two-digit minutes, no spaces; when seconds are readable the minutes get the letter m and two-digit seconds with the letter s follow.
3h04
